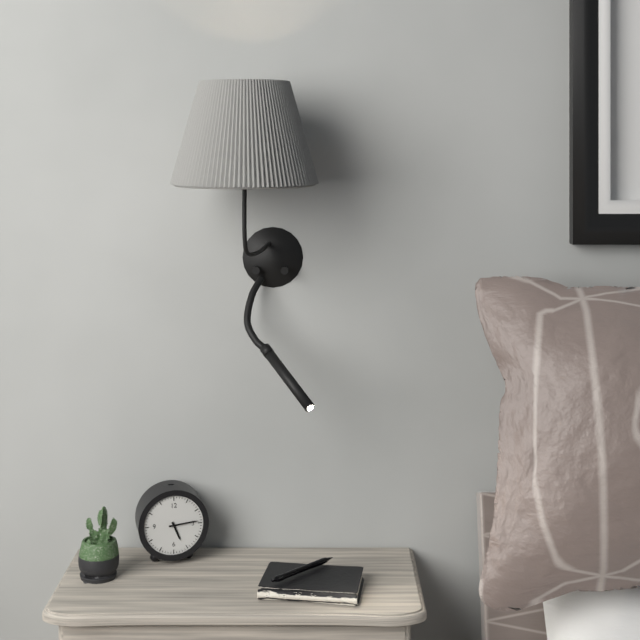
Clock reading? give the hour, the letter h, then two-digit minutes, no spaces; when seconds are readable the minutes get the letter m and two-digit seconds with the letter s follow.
5h14
